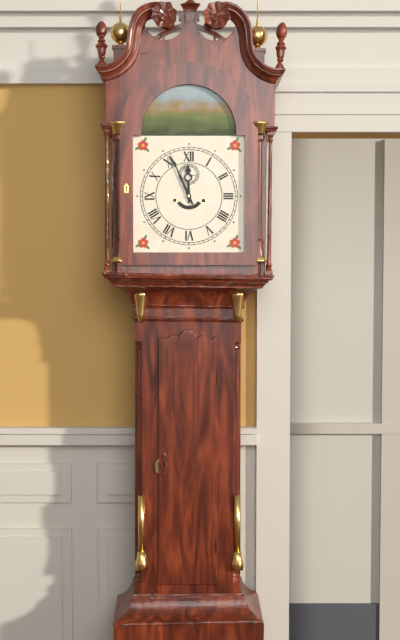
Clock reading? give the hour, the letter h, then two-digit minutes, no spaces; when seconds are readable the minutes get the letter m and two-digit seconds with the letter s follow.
11h56
